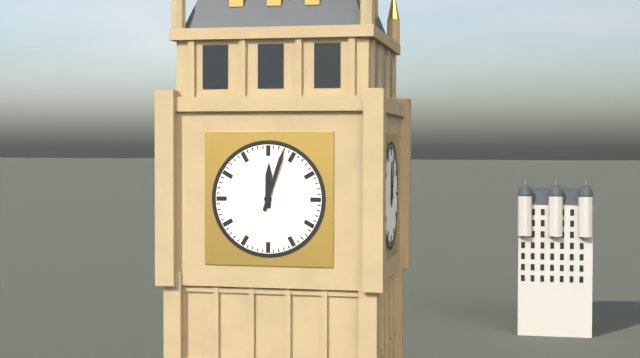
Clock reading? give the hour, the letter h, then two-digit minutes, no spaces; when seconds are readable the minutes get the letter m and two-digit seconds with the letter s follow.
12h03
